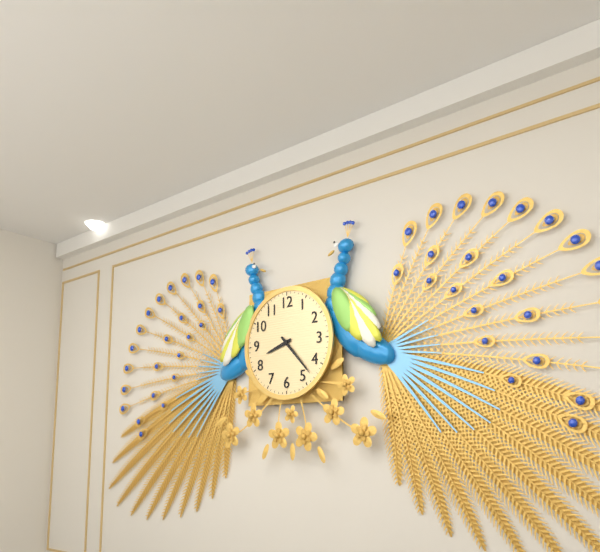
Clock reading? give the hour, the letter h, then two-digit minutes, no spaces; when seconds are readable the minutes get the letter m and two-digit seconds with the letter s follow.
8h23
